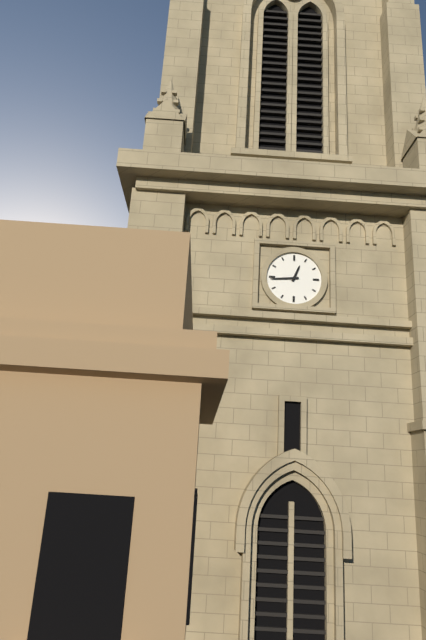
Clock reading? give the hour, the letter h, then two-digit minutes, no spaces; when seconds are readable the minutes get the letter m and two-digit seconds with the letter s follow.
12h44
